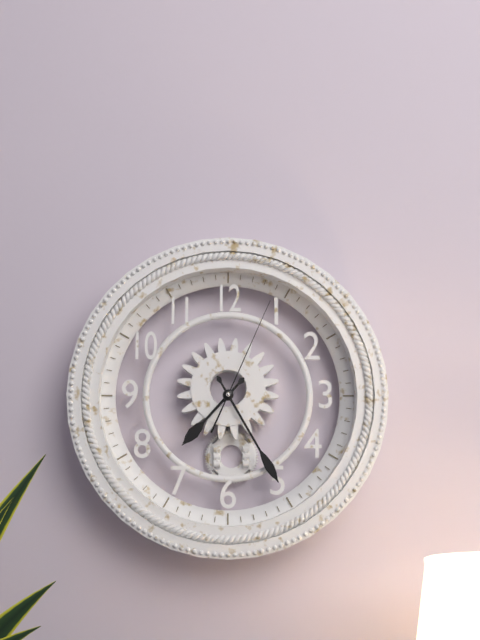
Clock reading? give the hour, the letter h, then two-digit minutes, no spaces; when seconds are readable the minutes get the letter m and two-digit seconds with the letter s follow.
7h25m04s
